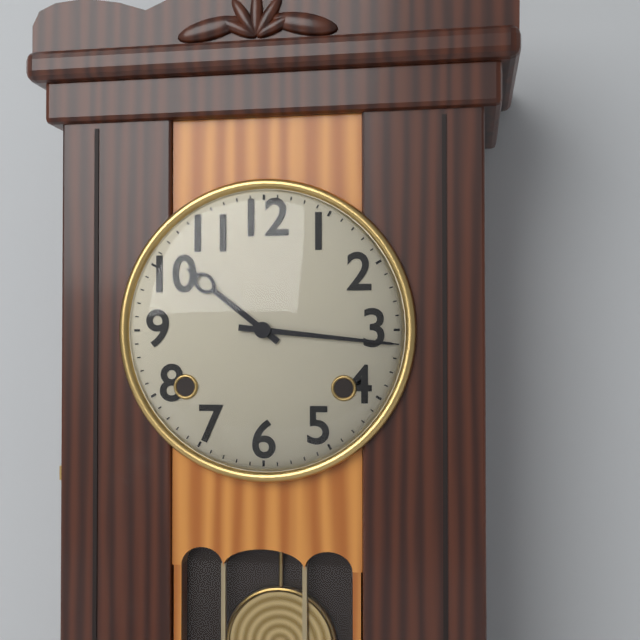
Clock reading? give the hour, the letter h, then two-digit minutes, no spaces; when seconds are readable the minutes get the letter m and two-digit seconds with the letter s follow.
10h16
